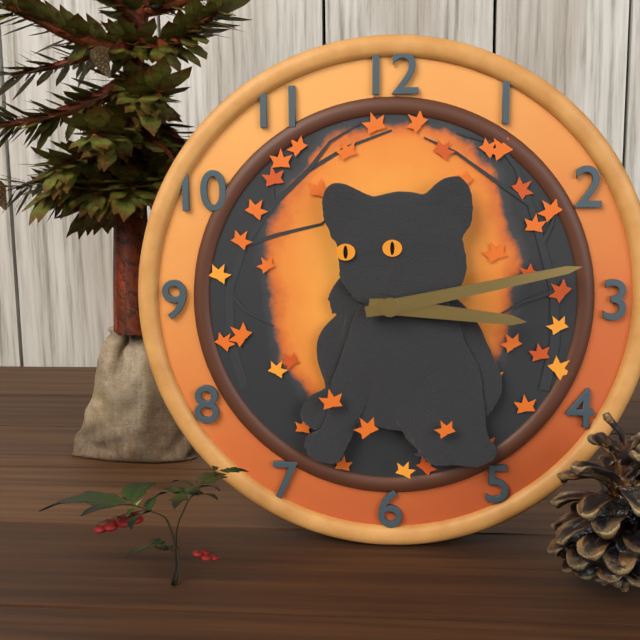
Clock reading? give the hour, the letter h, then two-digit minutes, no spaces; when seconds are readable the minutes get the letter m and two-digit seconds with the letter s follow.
3h13
